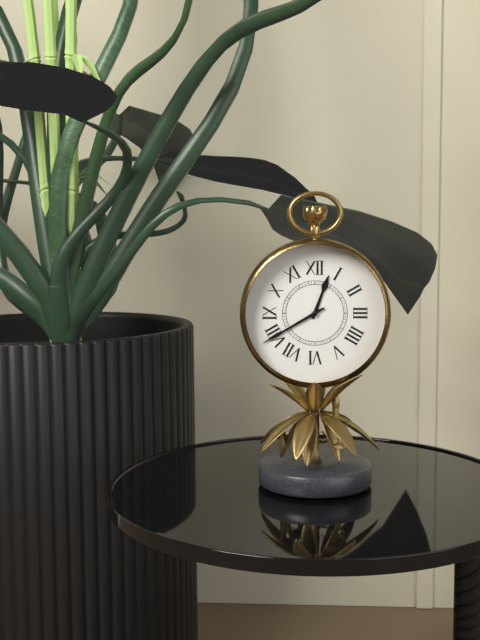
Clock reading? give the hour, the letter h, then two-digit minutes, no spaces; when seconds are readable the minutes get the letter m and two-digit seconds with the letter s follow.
12h40
